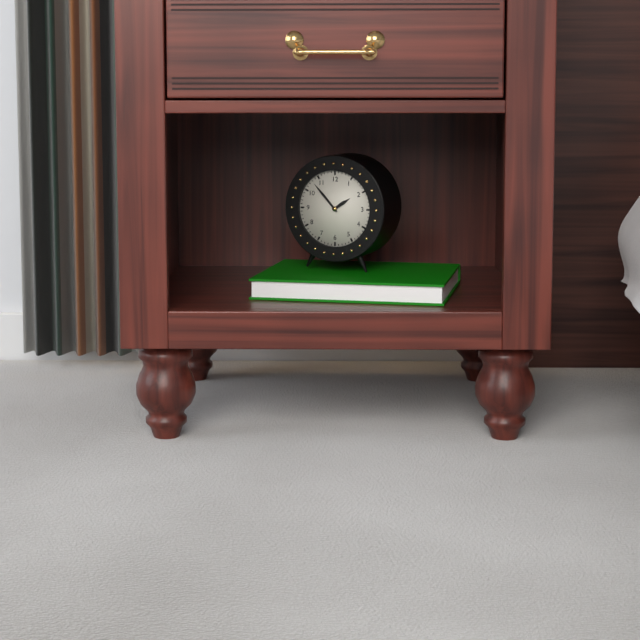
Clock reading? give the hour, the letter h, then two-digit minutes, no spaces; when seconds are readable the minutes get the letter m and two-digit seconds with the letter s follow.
1h53
